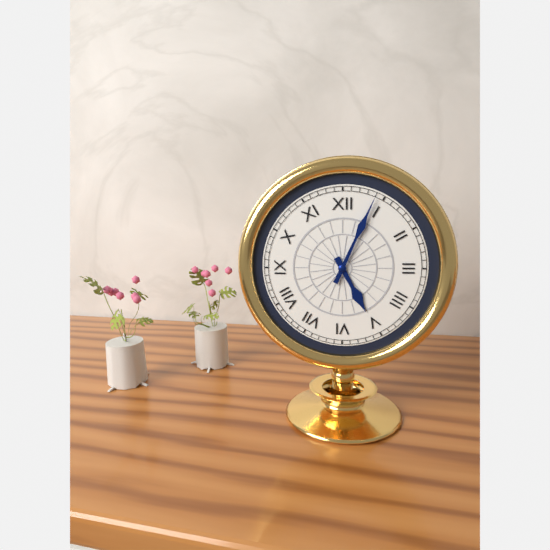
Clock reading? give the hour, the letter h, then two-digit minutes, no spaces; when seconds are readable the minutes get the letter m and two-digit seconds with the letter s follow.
5h04
